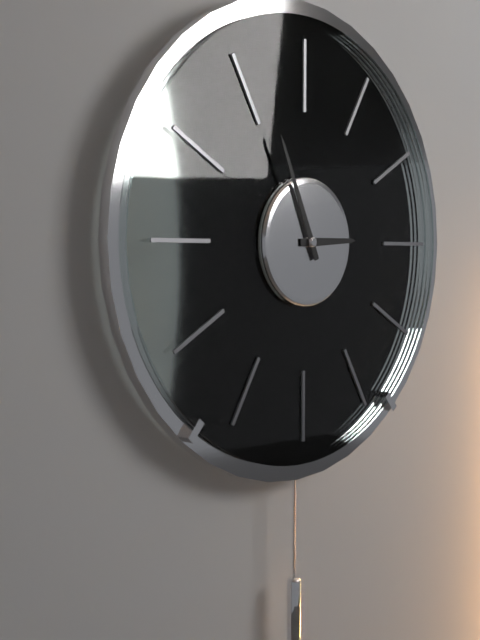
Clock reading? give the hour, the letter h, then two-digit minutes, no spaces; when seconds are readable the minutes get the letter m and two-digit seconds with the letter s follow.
2h56
